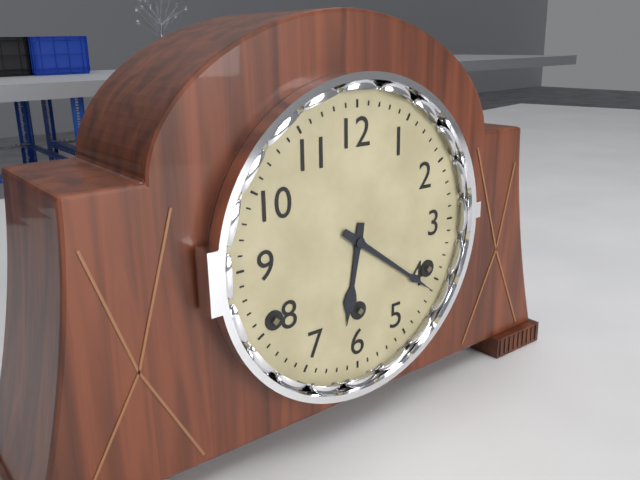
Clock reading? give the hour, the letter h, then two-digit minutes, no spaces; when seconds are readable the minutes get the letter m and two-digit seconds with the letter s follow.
6h21
